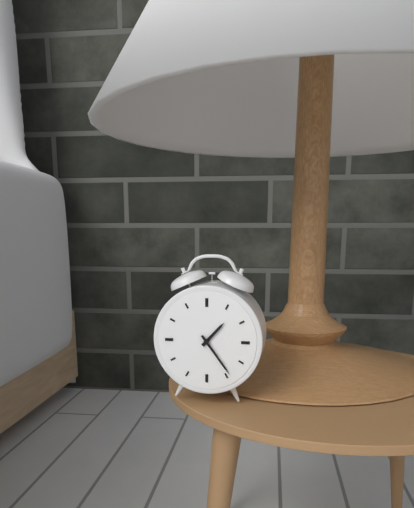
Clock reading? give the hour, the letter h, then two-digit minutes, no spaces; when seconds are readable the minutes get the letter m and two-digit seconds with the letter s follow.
1h24
